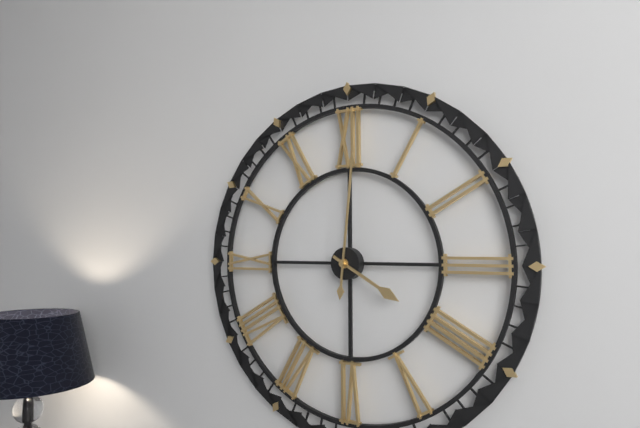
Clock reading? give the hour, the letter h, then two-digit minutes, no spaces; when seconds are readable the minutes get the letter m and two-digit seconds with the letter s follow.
4h01
